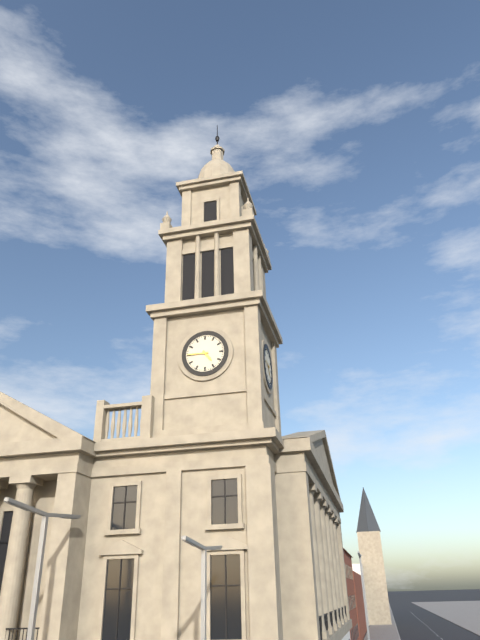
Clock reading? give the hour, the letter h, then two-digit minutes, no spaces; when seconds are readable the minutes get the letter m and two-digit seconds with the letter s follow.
4h45
